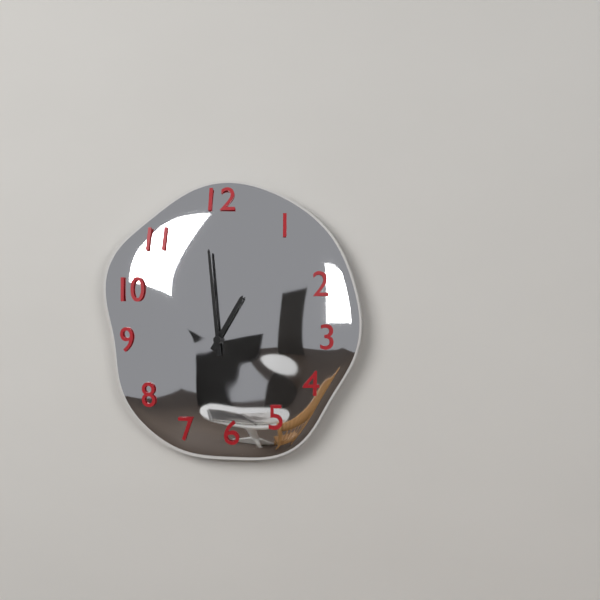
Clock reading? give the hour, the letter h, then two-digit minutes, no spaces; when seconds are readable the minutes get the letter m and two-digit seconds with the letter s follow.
12h59
